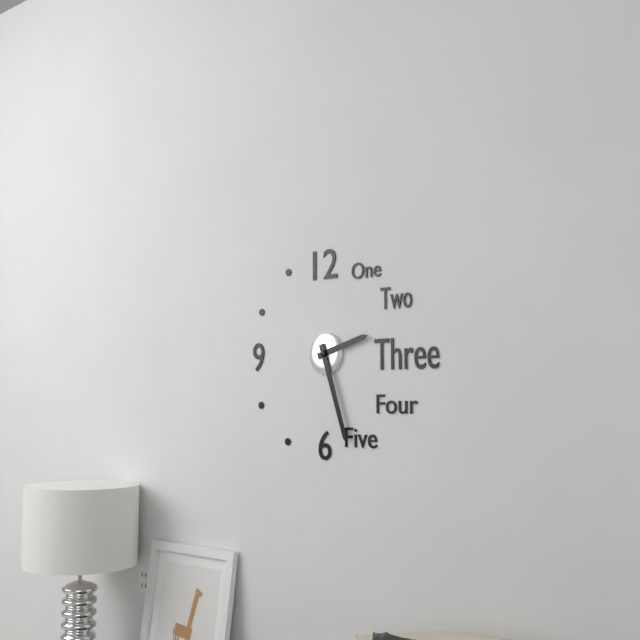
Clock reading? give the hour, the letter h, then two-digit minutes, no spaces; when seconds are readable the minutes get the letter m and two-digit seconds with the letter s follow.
2h27
